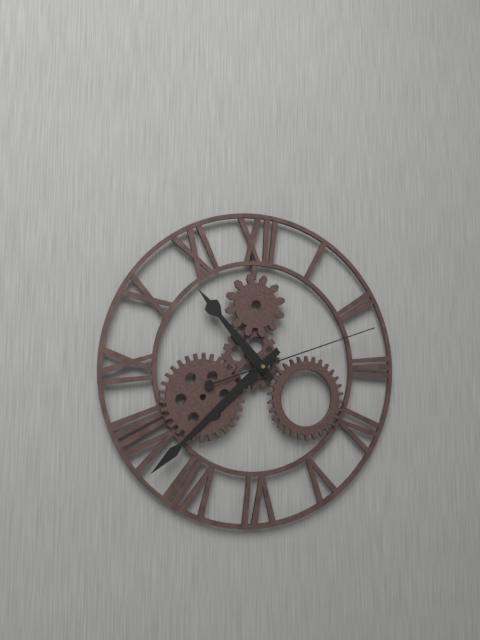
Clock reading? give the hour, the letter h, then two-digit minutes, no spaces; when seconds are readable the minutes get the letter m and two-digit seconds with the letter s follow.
10h38m12s
